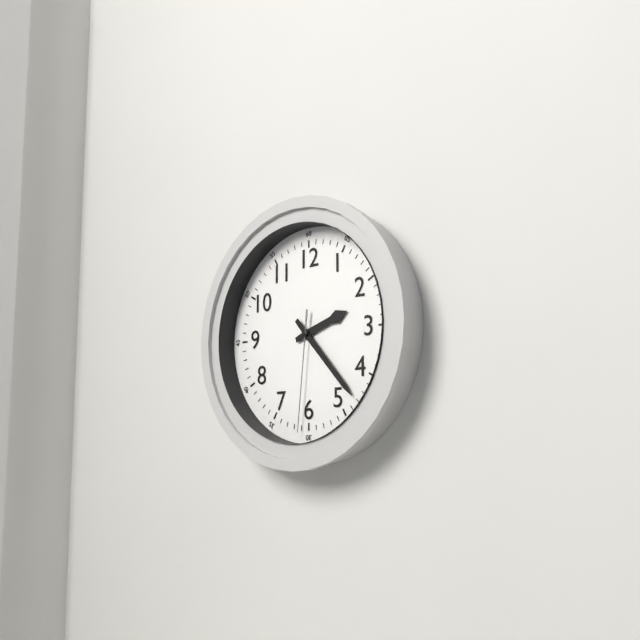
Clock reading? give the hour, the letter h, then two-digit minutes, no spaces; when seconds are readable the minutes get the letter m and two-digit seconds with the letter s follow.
2h23m31s
